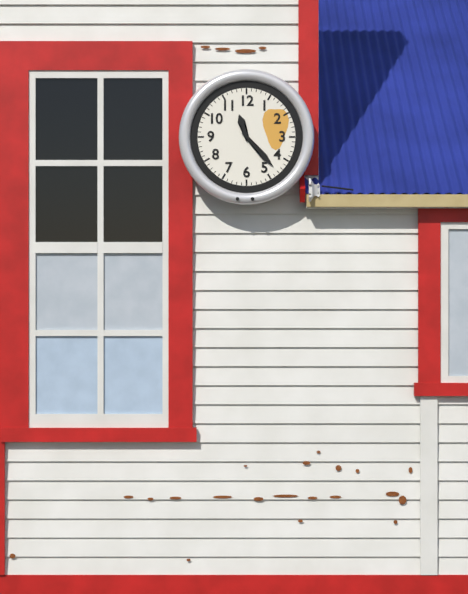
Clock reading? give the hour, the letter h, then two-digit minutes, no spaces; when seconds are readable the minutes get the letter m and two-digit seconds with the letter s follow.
11h23
